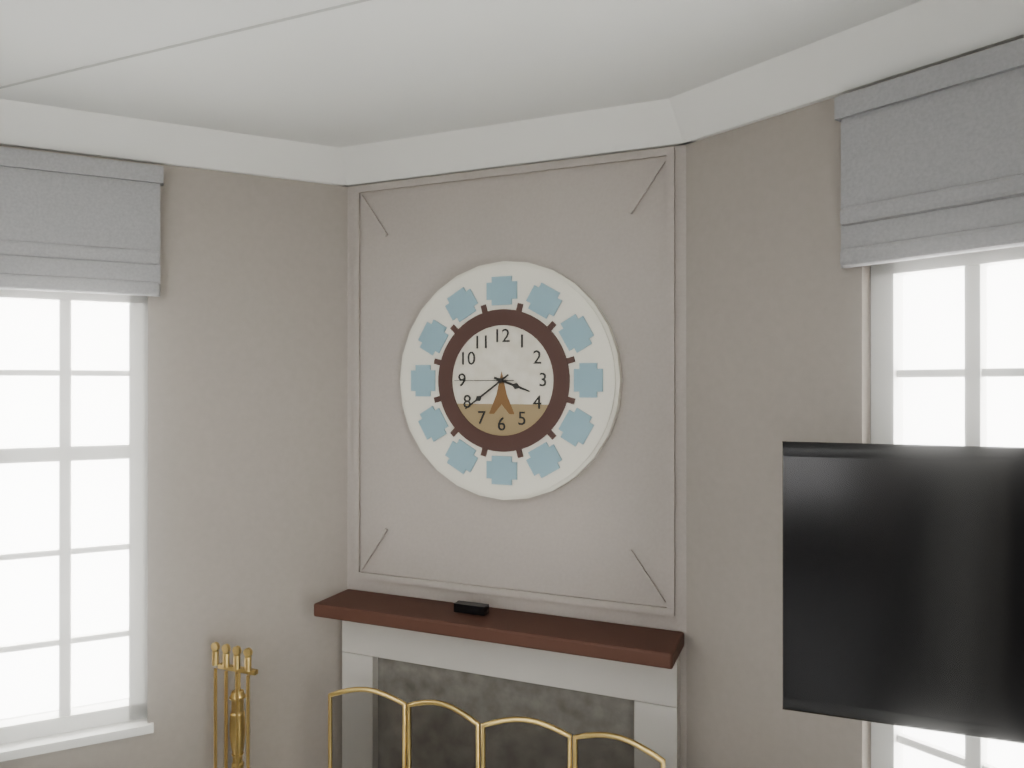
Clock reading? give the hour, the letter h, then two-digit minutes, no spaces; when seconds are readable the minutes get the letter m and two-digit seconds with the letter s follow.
3h39m45s
